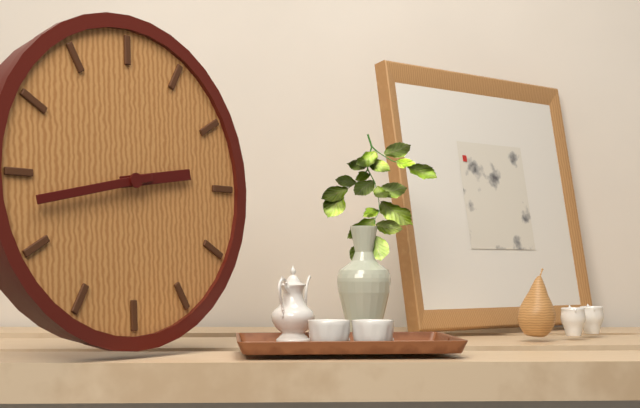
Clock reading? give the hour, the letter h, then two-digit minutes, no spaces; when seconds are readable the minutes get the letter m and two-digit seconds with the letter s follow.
2h43
